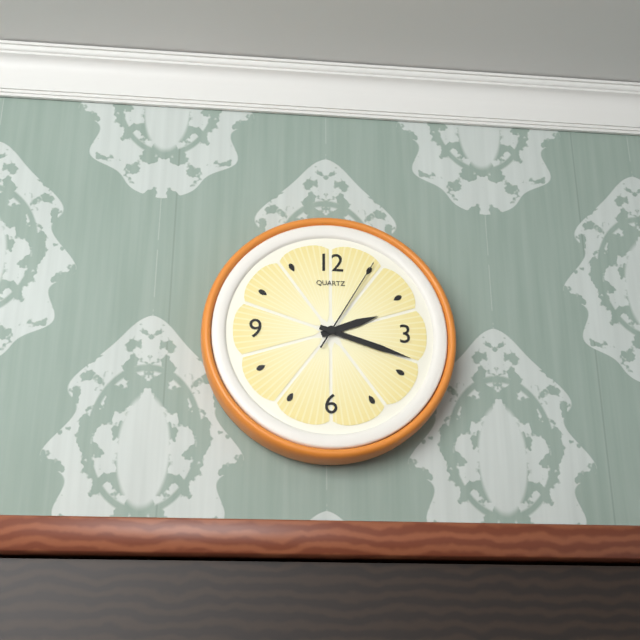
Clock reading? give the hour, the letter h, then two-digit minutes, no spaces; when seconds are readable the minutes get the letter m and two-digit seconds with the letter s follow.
2h18m05s
